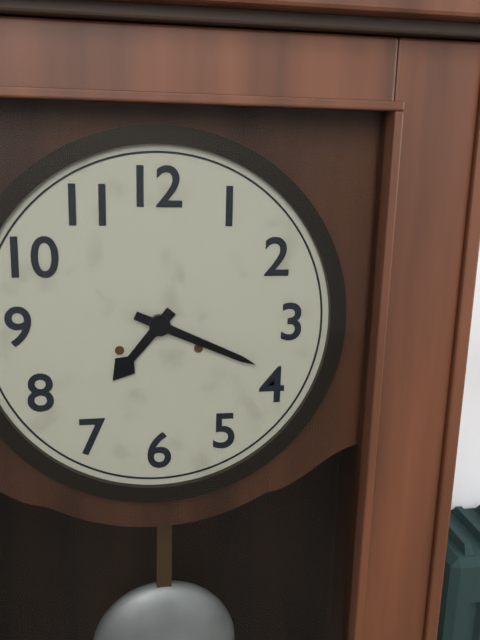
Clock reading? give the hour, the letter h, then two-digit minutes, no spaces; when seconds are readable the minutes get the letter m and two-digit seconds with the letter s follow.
7h19
